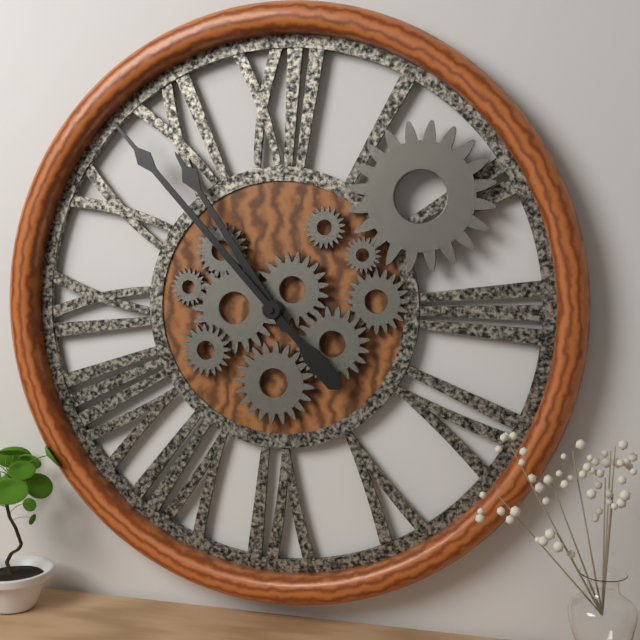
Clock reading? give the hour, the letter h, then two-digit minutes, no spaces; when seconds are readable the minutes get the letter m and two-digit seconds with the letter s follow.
10h53
